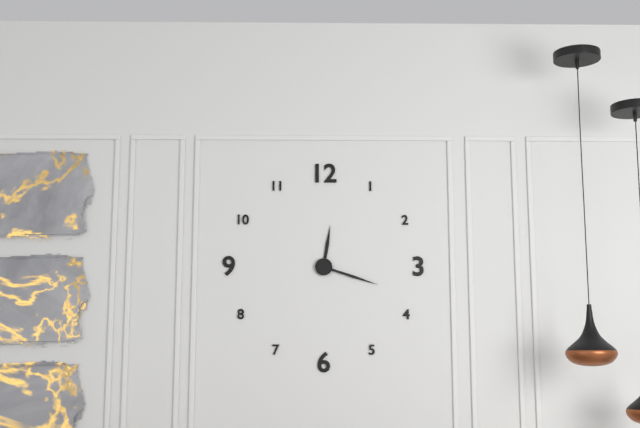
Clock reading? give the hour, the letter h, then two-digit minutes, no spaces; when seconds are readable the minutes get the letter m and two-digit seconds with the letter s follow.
12h18
